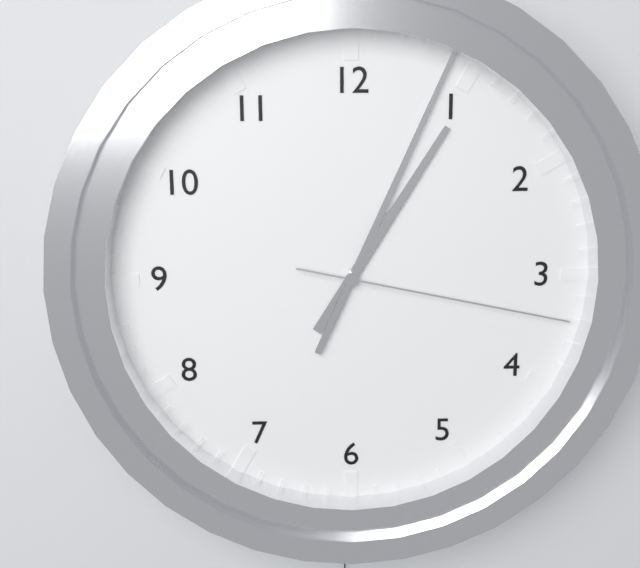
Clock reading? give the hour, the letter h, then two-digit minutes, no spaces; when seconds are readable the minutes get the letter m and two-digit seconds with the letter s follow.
1h04m17s
